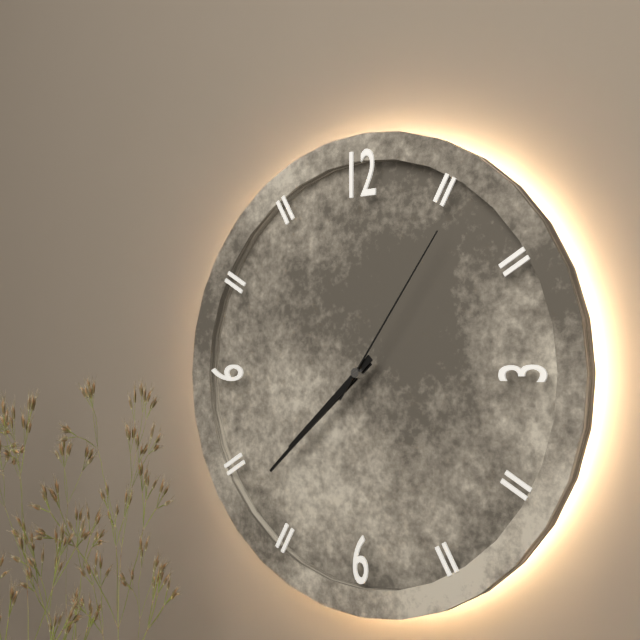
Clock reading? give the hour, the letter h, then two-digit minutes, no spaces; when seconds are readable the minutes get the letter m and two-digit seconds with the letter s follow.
7h38m06s
